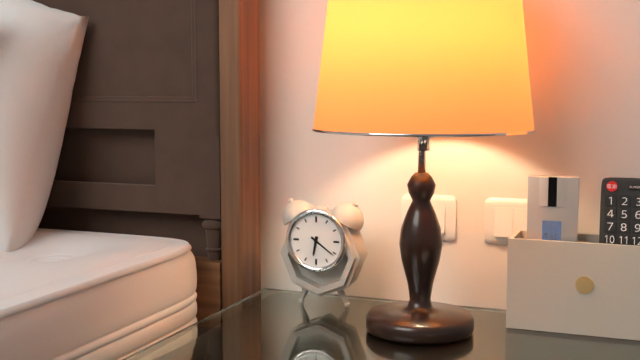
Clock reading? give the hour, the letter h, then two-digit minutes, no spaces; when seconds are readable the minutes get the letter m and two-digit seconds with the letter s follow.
6h21
